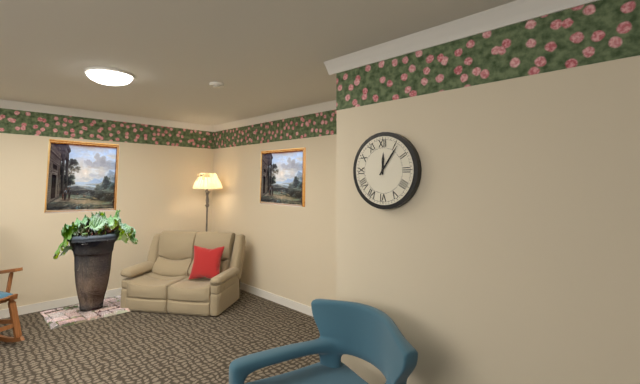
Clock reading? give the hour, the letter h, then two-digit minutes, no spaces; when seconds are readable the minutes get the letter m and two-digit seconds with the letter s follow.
12h06
